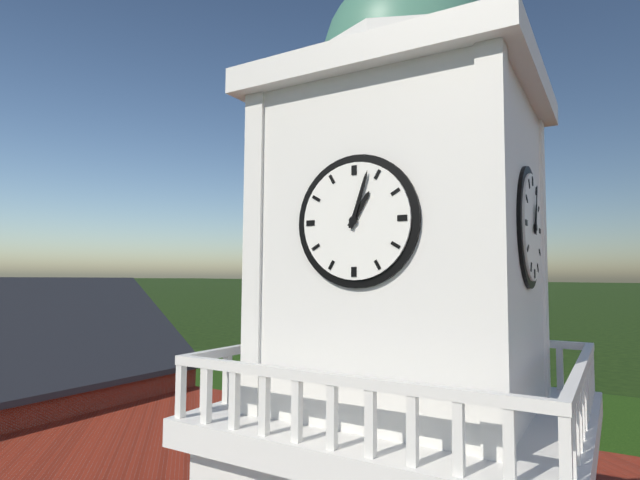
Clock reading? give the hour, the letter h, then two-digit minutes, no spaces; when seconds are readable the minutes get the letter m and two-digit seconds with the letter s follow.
1h03
